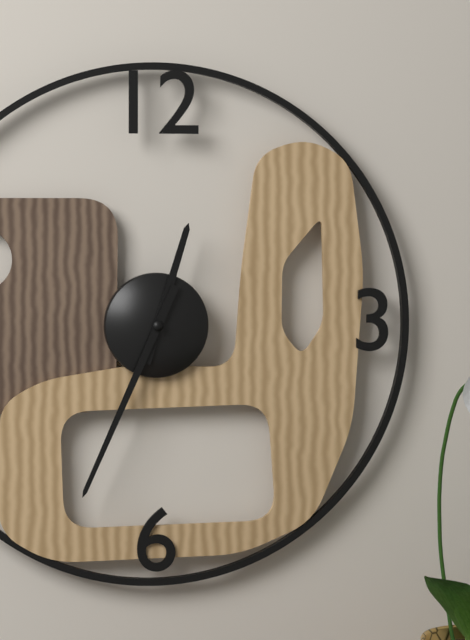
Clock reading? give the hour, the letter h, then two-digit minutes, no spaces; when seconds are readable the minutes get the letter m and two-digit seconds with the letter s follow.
12h34
